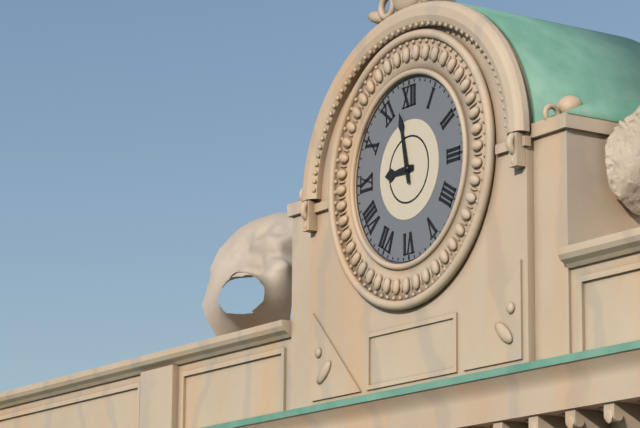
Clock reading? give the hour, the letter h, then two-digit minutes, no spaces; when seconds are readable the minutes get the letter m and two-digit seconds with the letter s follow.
8h58
